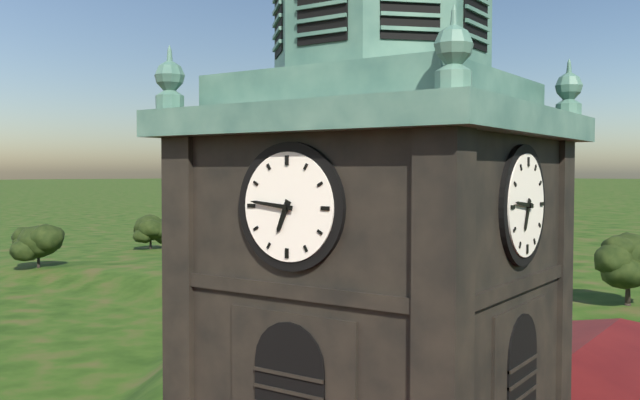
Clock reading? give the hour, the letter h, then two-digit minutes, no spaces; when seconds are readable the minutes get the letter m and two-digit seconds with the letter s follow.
6h46
